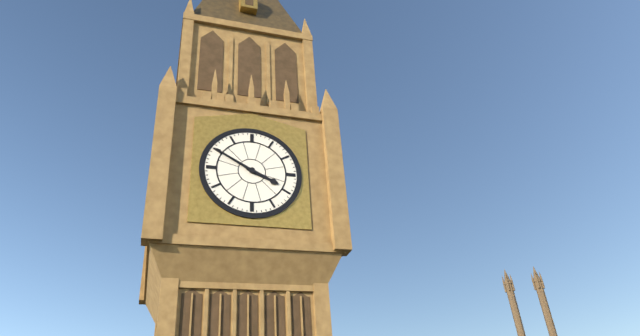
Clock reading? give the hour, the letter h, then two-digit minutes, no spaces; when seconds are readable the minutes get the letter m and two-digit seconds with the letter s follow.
3h50
